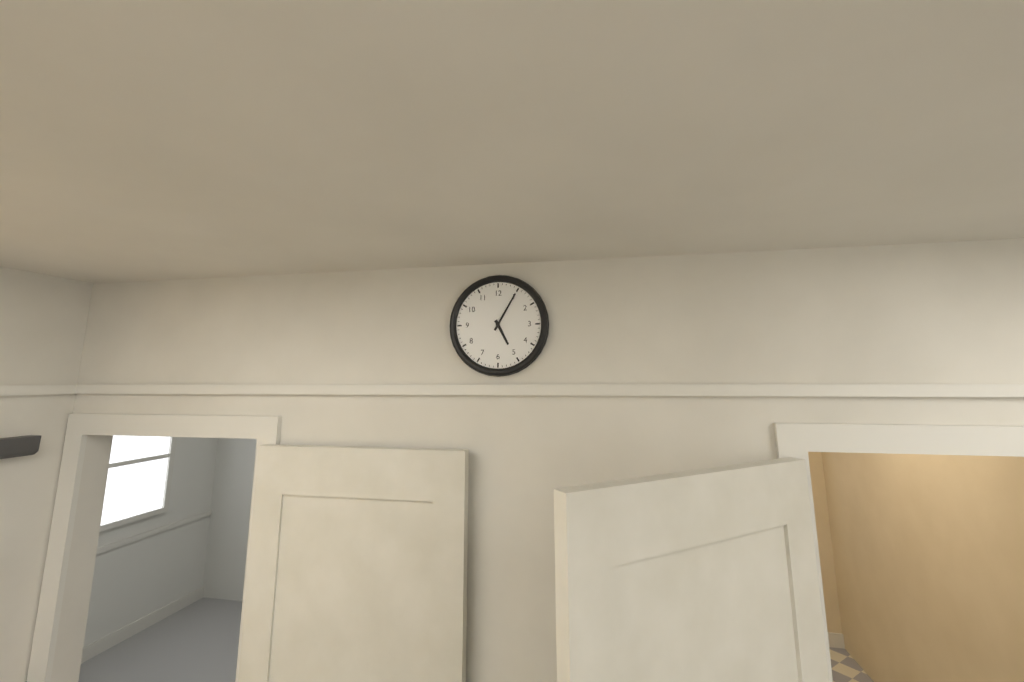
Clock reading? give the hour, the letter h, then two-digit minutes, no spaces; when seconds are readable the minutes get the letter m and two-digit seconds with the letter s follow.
5h05
